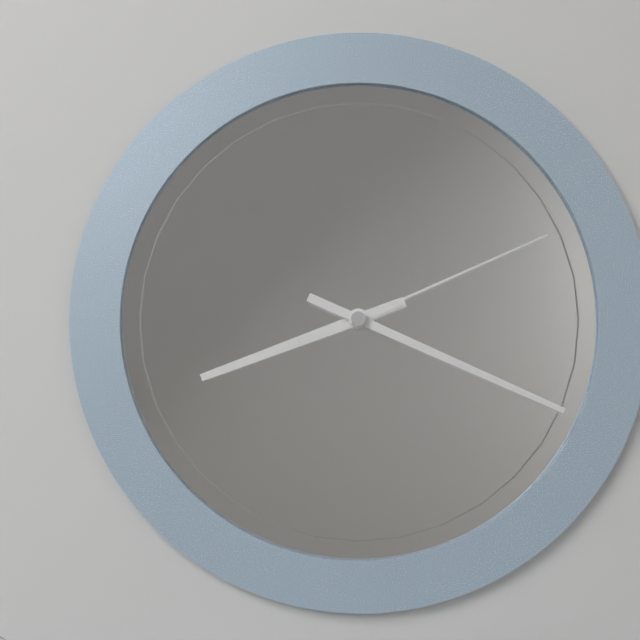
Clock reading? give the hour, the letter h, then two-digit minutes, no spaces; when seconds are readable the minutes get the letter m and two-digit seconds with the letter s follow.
8h19m11s
